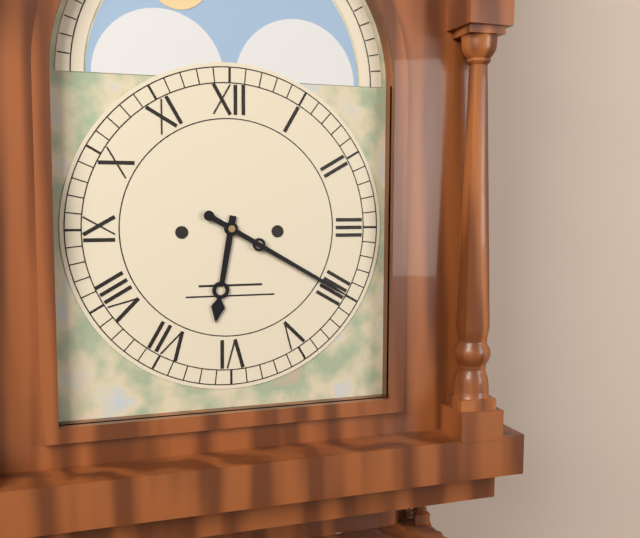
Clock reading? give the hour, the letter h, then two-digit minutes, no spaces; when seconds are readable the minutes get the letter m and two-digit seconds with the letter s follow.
6h20
